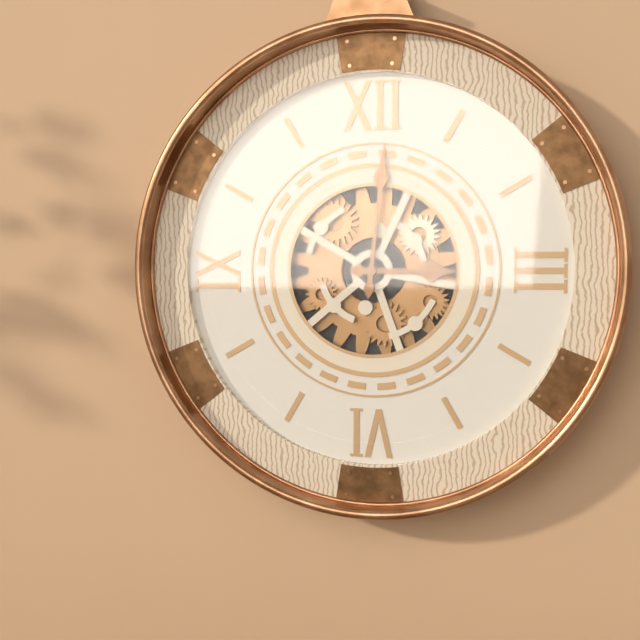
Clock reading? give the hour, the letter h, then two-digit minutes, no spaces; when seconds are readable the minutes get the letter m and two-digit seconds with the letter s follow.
3h01
